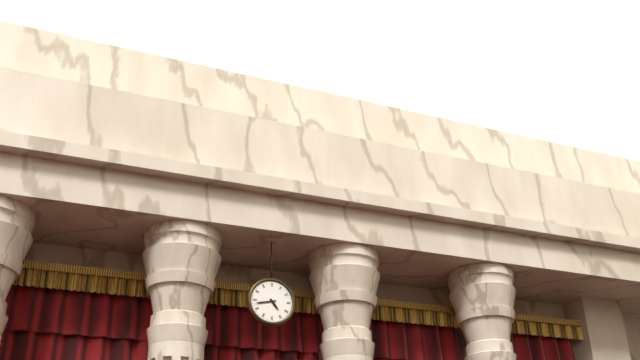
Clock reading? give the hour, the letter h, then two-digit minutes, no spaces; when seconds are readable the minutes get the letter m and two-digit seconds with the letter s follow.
4h43
